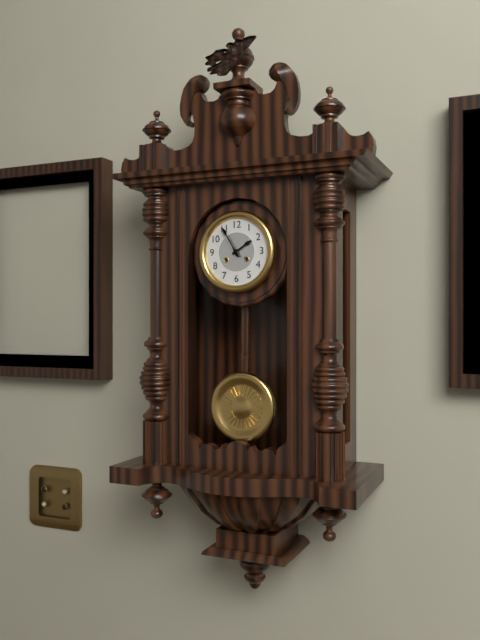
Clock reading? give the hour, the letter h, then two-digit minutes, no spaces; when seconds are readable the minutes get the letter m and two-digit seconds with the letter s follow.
1h55
